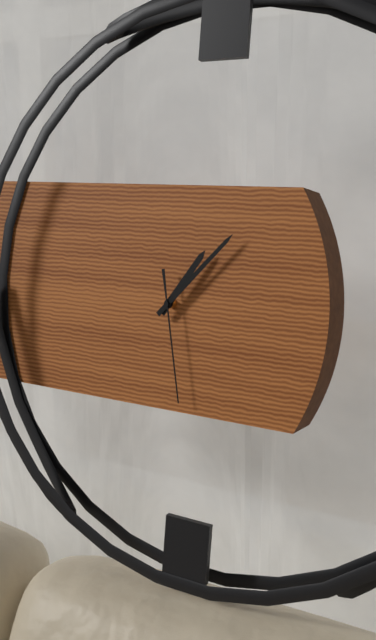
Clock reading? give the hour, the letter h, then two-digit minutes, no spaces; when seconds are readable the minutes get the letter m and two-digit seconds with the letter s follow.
1h07m28s
